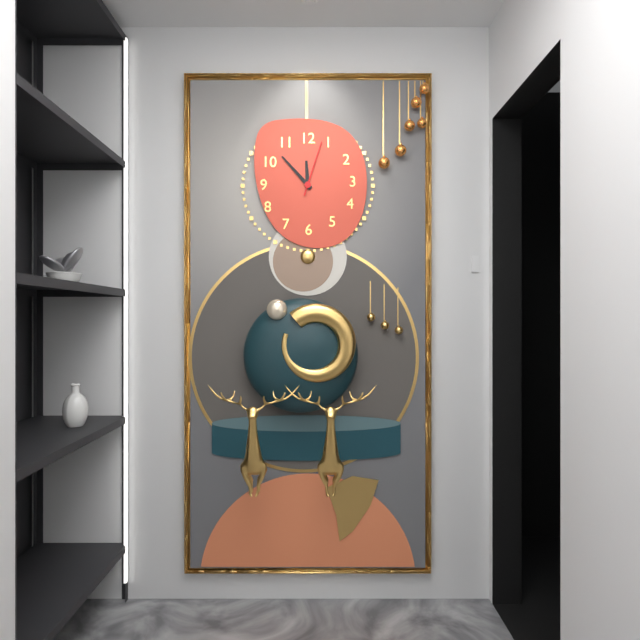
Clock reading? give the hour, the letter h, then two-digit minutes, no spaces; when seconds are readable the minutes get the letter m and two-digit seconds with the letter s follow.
11h53m03s
